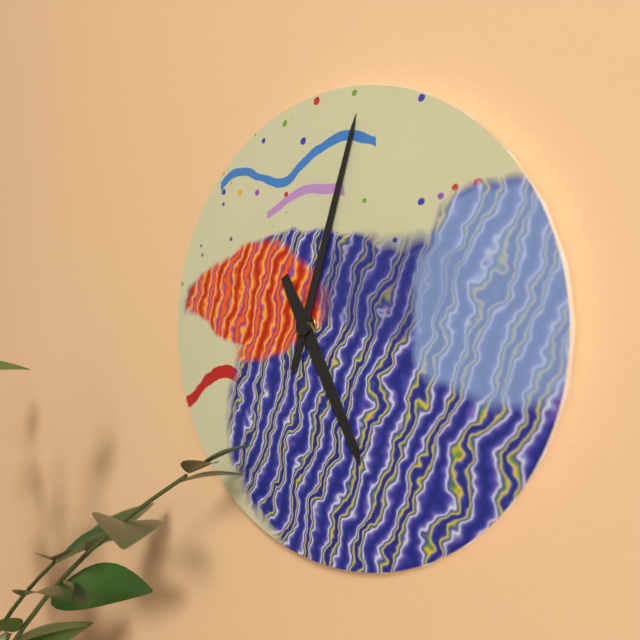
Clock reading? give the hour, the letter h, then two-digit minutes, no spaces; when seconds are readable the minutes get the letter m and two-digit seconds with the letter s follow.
5h03
